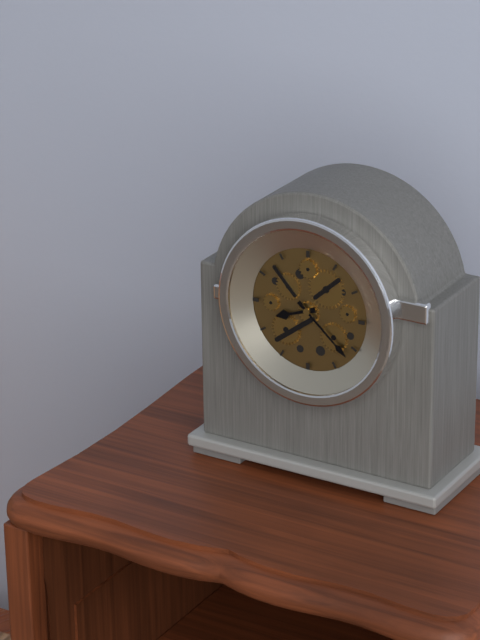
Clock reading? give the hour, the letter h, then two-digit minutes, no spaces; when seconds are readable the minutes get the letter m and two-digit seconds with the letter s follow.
8h22
